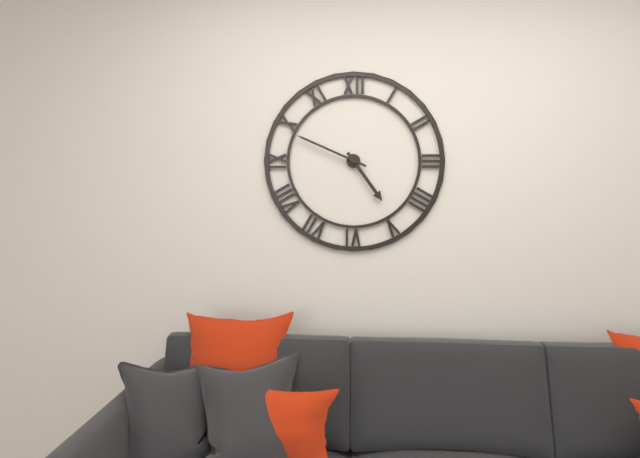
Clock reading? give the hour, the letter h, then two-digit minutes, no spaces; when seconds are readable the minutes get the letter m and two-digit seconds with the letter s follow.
4h49
